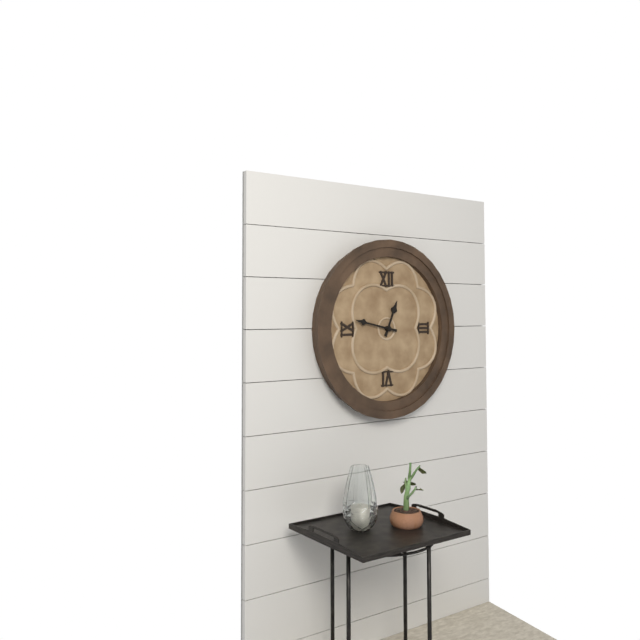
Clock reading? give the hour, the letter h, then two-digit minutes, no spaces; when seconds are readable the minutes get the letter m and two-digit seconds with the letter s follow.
12h47
